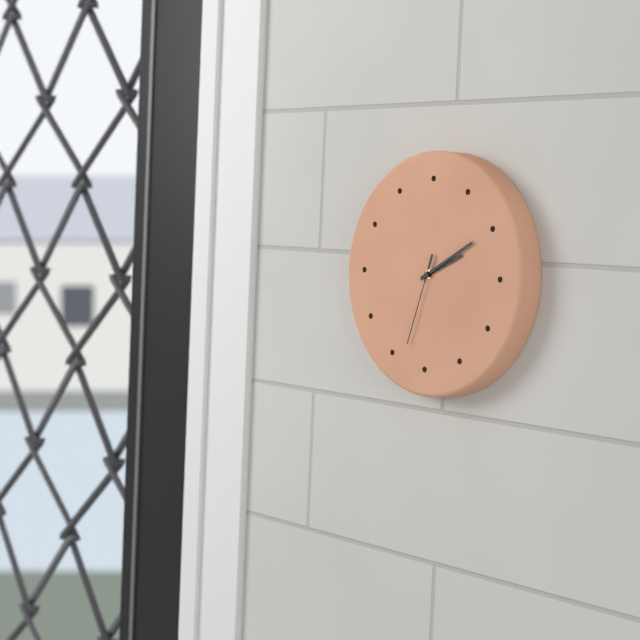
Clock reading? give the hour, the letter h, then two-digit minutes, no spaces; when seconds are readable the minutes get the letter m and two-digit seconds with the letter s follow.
2h10m33s
